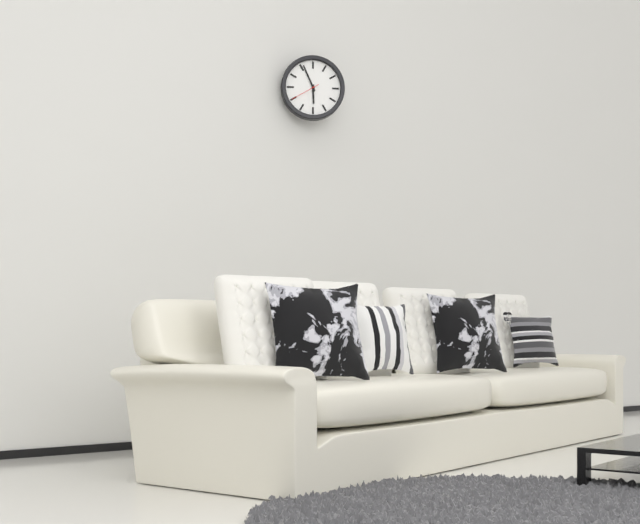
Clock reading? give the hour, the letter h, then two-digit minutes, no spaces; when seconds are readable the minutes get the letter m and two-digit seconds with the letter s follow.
5h56
